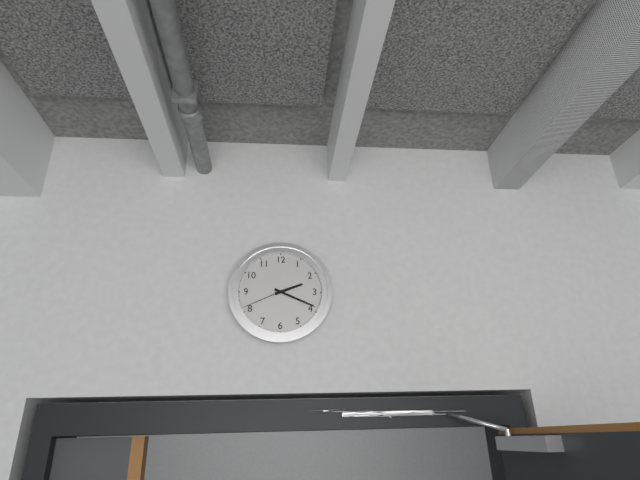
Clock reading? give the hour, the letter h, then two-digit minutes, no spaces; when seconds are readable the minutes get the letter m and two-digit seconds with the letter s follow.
2h19m41s
